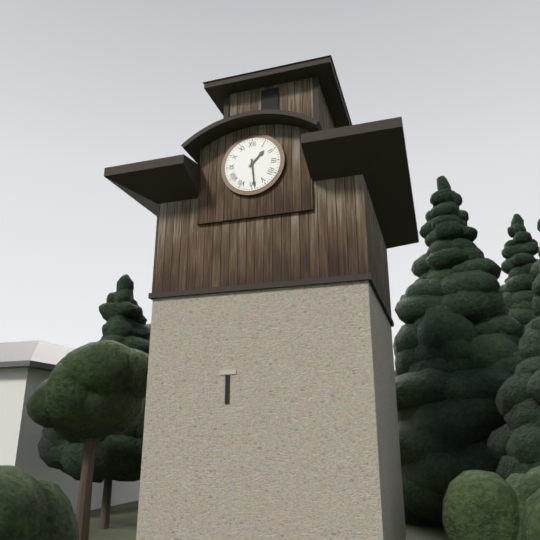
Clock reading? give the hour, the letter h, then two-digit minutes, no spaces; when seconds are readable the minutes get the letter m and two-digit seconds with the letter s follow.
1h29
